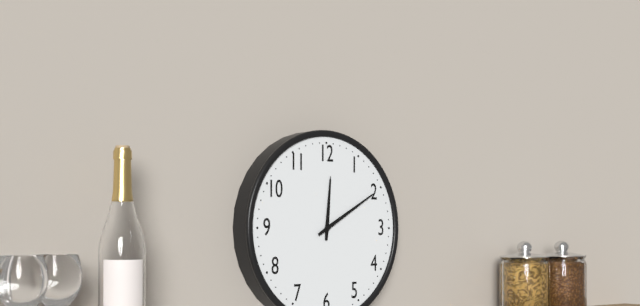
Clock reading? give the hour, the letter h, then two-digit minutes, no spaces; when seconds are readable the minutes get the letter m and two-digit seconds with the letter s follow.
12h10
